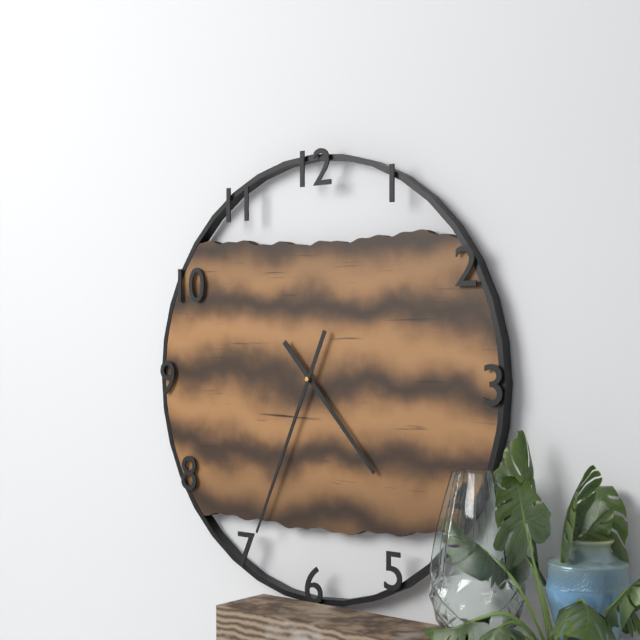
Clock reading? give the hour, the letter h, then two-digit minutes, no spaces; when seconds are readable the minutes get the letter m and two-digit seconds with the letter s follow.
4h34
